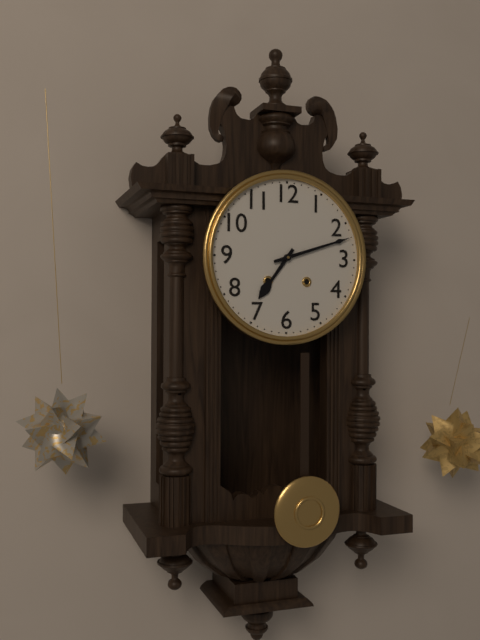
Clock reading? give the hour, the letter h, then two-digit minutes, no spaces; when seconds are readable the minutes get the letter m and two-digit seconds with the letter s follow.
7h12
